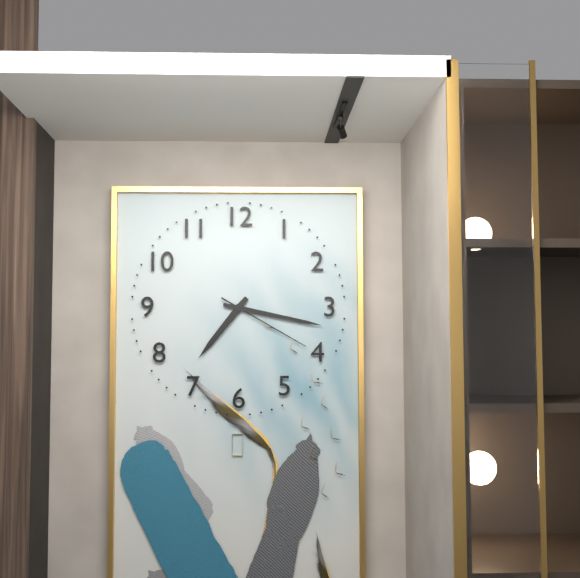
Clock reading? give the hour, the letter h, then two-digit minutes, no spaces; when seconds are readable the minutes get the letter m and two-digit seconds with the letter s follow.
7h17m20s
